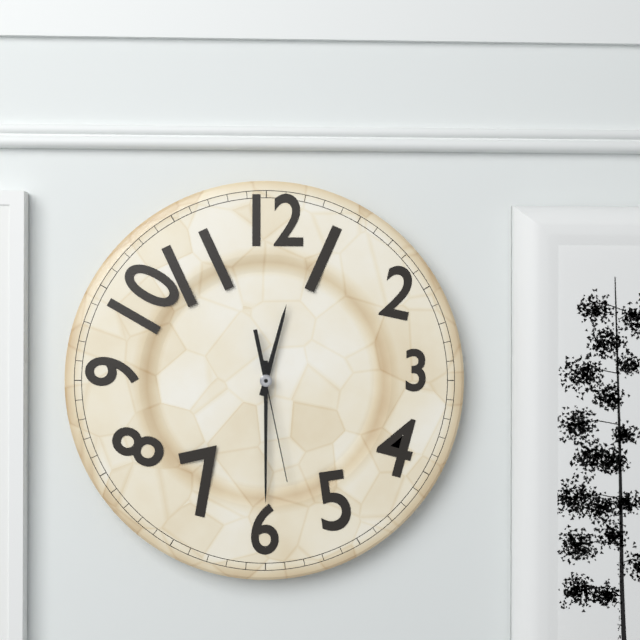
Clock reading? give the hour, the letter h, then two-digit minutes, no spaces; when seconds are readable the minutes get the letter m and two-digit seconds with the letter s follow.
12h30m28s
